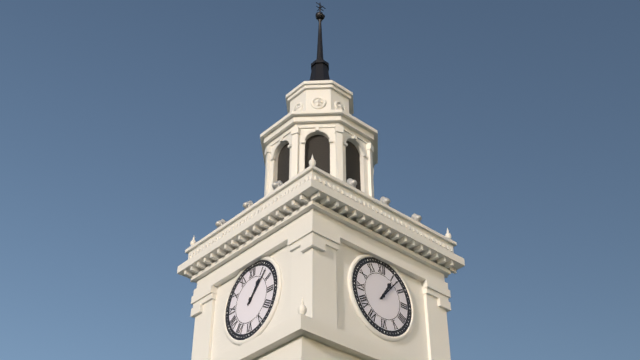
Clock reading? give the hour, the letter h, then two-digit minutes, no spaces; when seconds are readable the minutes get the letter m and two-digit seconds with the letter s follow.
1h07
